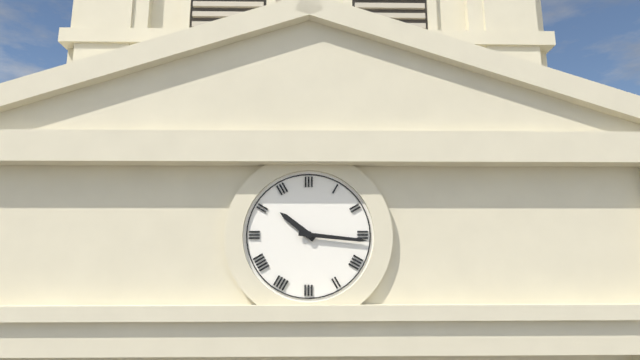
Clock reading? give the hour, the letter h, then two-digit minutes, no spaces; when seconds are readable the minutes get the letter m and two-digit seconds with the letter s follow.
10h16
